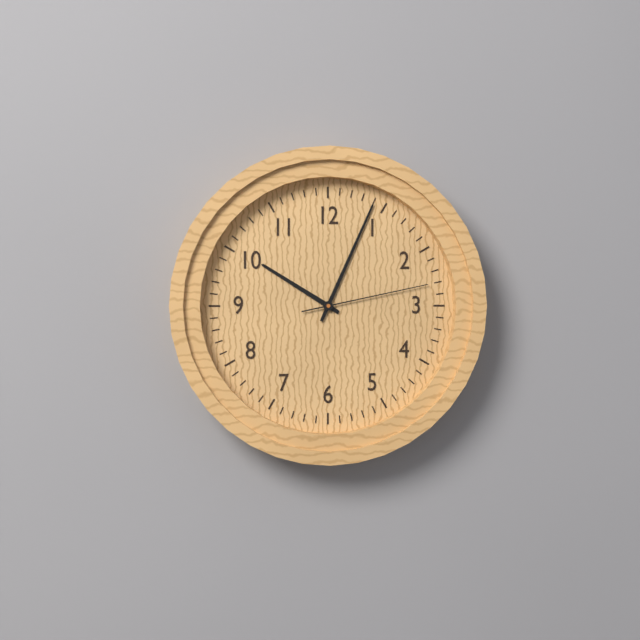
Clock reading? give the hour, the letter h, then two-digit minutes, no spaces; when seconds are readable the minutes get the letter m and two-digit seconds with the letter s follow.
10h04m13s
